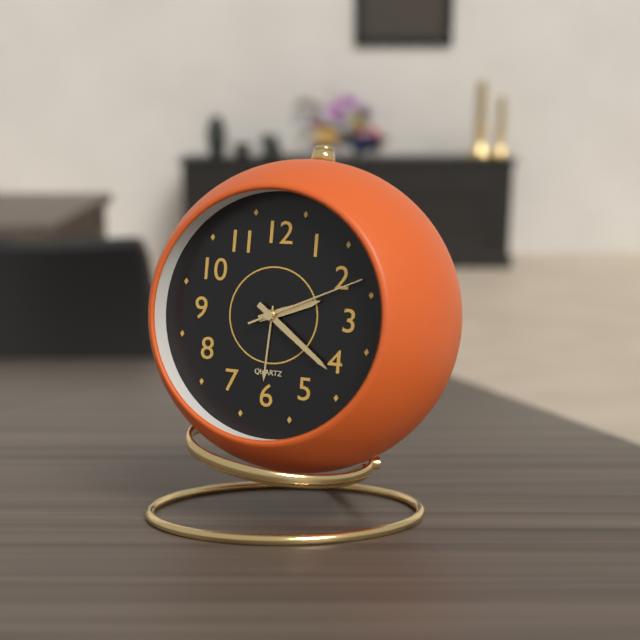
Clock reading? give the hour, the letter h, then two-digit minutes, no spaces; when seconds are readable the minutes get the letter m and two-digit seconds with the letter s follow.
2h21m11s
